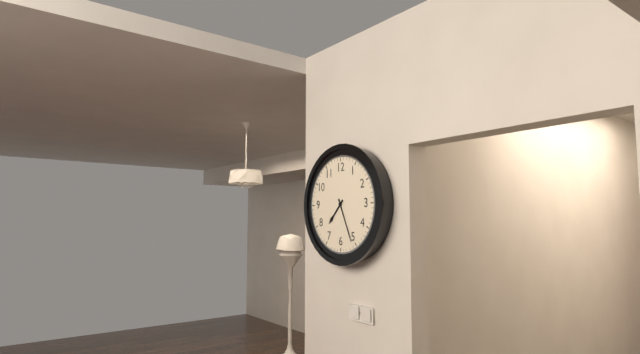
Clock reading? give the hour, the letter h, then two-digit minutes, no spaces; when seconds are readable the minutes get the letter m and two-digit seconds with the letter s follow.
7h26
